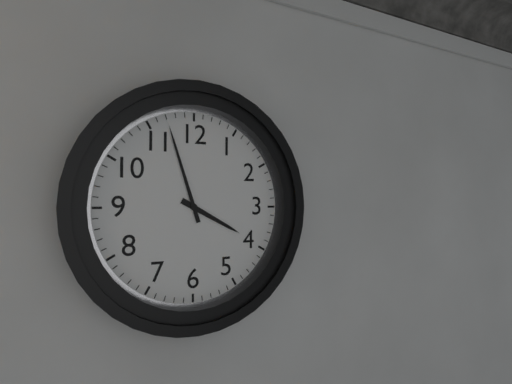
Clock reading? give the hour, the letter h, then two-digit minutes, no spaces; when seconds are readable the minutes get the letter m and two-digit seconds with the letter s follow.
3h57
